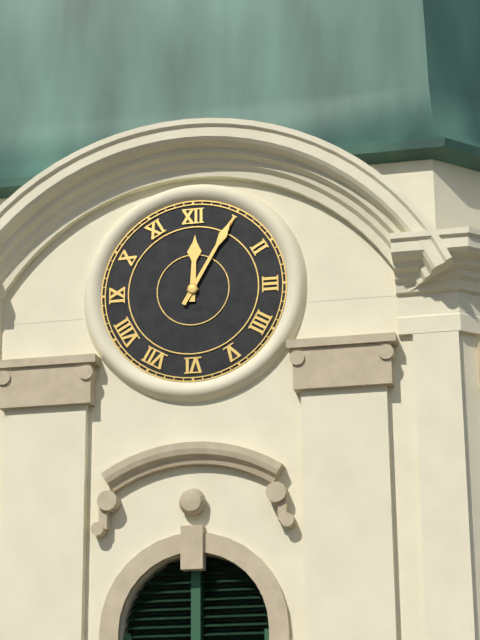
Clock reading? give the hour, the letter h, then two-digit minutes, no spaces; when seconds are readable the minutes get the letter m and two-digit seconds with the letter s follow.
12h05
